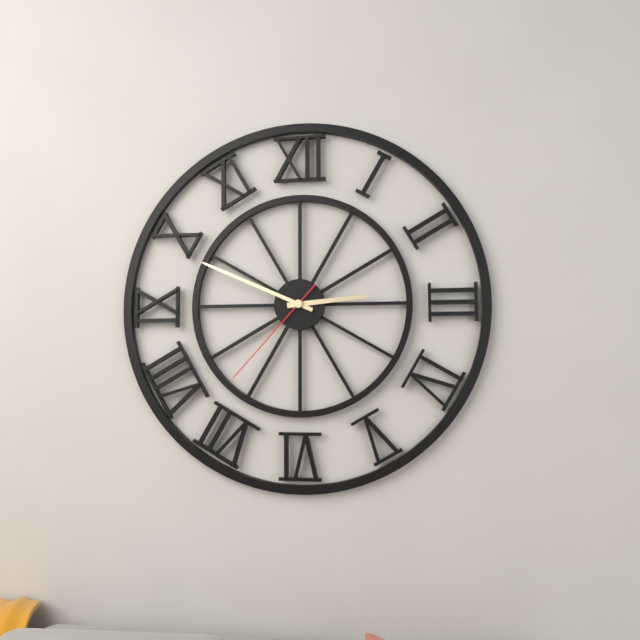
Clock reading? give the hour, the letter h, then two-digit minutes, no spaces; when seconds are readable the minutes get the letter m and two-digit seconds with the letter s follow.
2h49m37s
